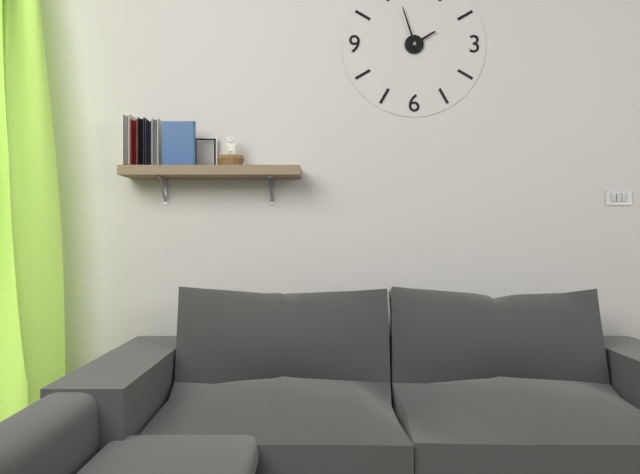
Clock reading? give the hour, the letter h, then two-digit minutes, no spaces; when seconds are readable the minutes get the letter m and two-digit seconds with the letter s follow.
1h57
